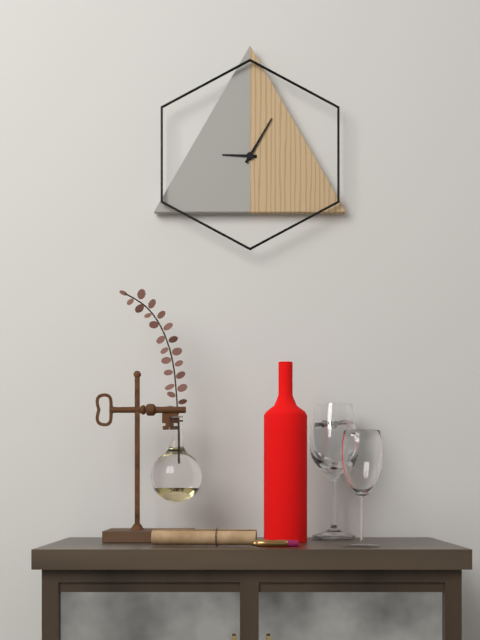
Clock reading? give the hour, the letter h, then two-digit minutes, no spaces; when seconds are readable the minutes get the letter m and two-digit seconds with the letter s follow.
9h05
